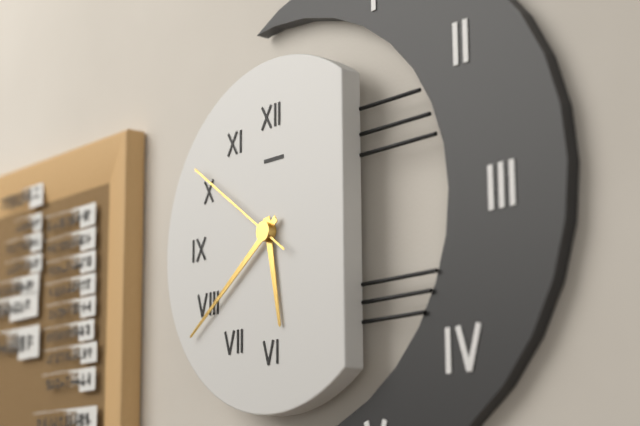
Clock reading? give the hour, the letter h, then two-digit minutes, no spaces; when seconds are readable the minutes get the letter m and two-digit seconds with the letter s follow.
5h39m51s
